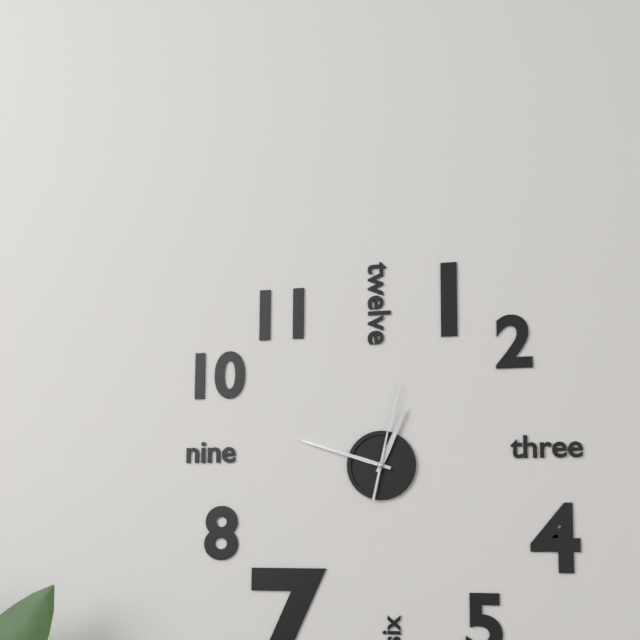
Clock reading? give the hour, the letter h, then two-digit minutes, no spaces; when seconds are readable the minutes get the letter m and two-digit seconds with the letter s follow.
12h48m02s
